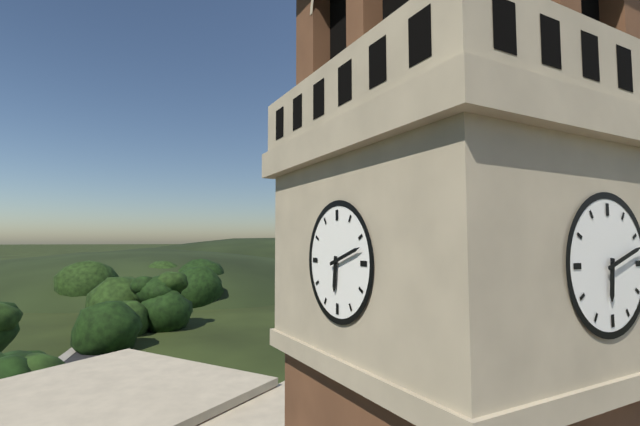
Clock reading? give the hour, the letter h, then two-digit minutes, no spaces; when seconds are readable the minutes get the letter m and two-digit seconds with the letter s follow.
6h12
